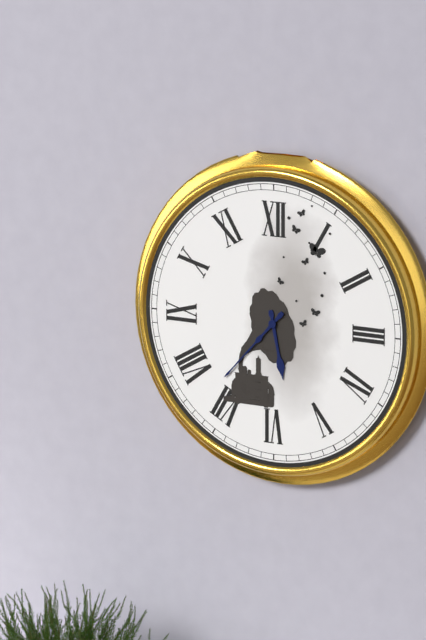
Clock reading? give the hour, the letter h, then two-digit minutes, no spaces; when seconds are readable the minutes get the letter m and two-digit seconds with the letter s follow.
5h37
